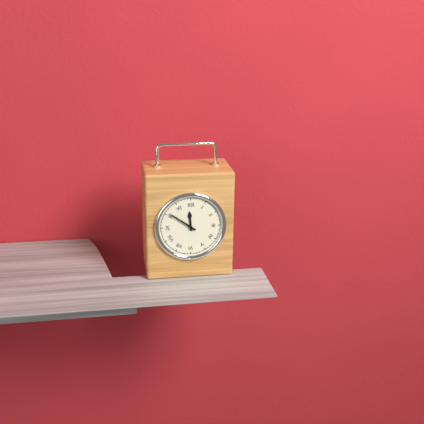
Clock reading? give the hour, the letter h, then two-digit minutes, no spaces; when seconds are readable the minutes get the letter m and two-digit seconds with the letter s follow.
11h51
